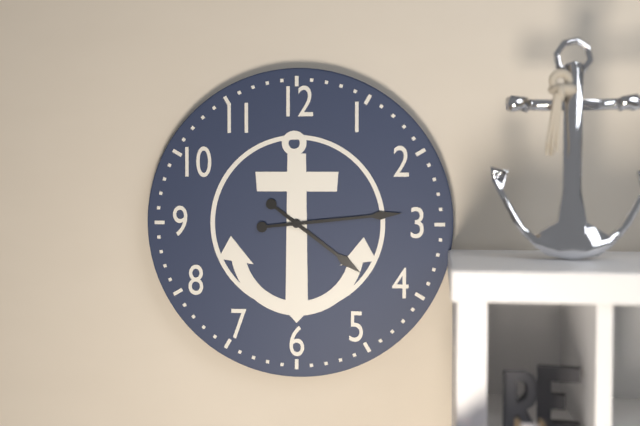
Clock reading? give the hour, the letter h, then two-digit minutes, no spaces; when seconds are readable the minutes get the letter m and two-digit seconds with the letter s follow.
4h14
